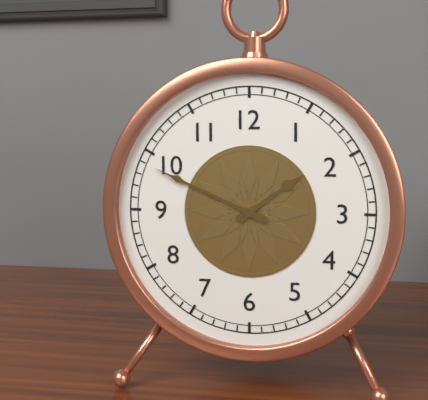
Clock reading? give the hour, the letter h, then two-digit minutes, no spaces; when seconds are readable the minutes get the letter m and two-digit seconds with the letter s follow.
1h49
